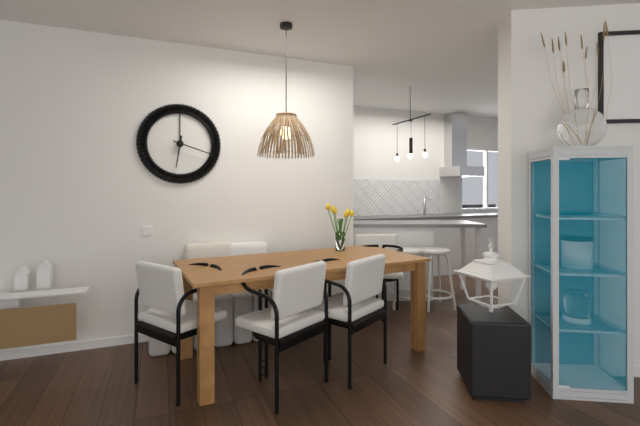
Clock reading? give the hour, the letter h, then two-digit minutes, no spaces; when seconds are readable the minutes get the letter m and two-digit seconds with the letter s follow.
6h18
